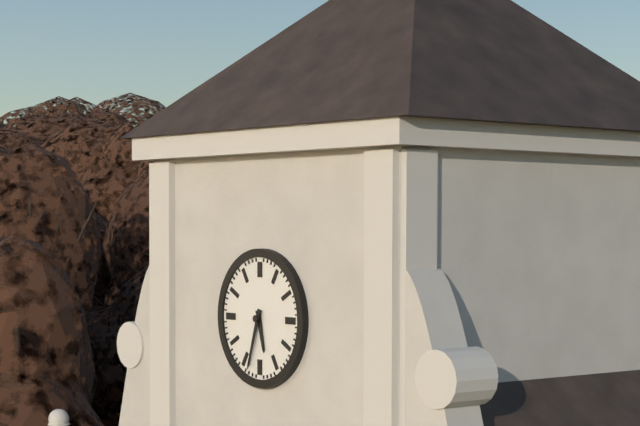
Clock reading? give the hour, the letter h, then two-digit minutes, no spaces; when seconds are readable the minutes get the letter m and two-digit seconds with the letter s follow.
5h33
